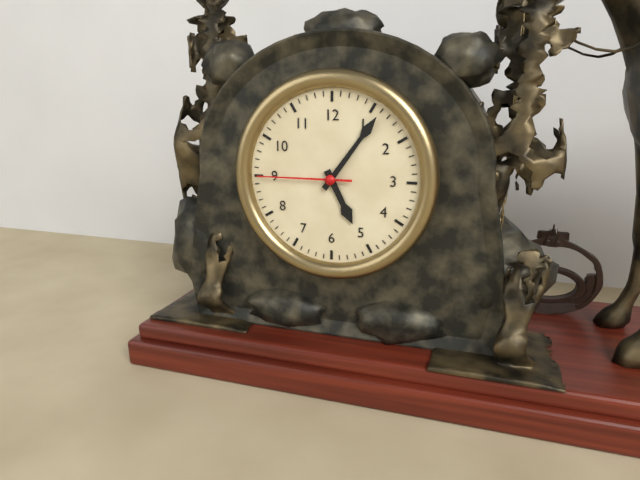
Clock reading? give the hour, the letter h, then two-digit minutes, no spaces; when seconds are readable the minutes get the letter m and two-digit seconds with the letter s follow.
5h06m45s
